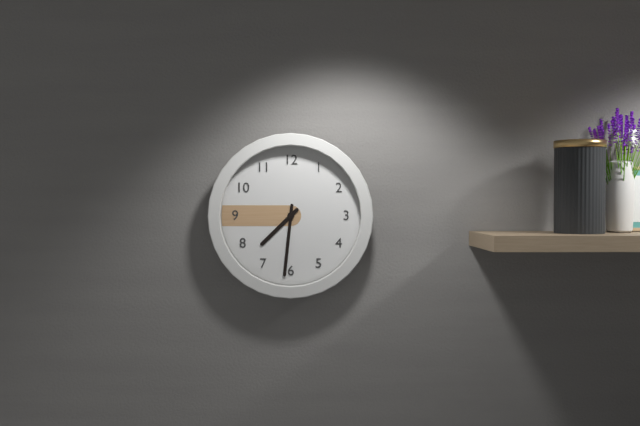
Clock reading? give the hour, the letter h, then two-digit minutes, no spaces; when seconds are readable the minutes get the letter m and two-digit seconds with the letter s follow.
7h31
